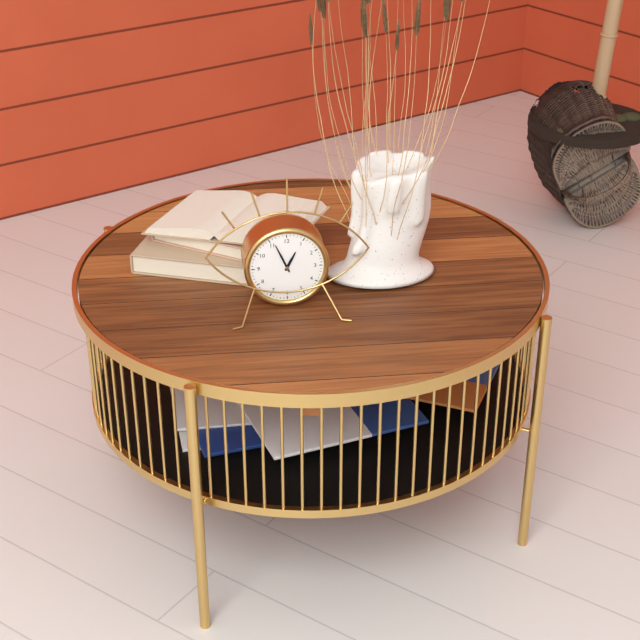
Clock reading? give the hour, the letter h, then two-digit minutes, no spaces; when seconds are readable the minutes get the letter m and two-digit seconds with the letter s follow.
12h56
